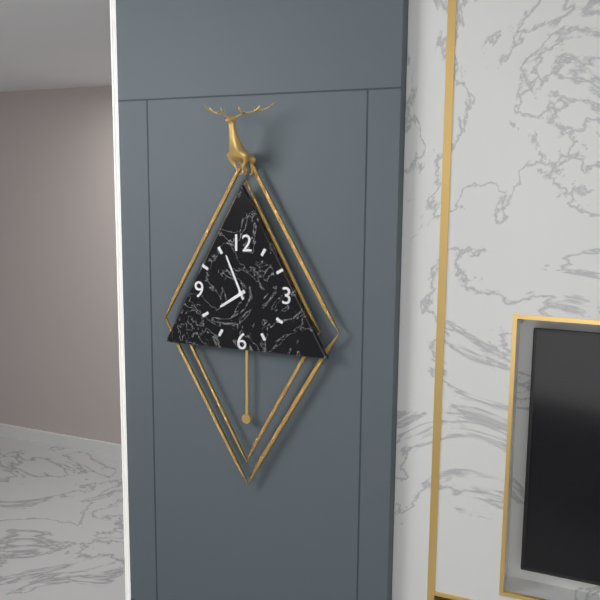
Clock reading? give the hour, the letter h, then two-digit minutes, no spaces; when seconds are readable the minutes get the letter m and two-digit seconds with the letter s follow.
7h56
